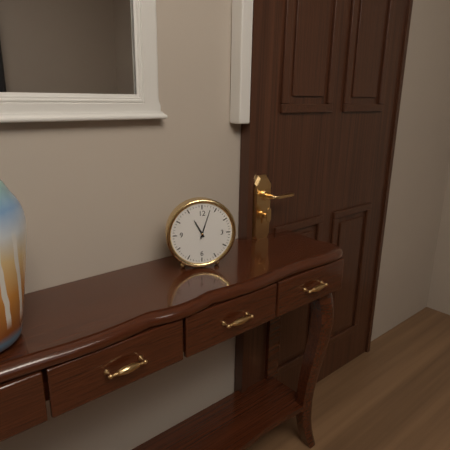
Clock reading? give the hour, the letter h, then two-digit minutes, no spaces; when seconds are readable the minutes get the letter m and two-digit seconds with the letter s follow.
11h03
